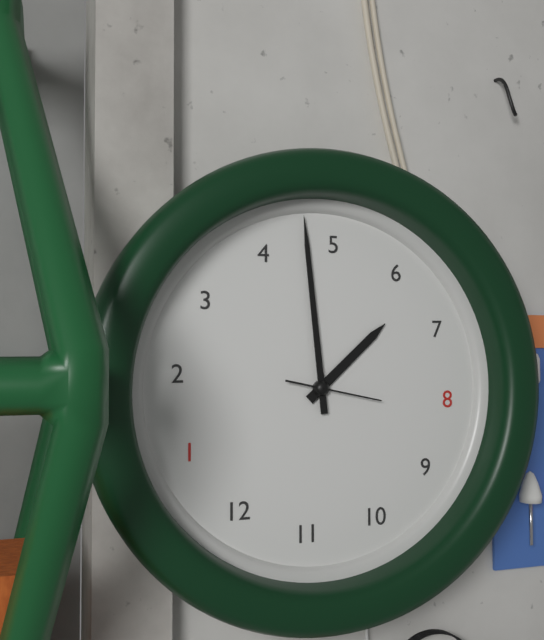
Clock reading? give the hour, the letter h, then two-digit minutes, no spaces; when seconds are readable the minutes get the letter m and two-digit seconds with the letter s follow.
6h23m41s
